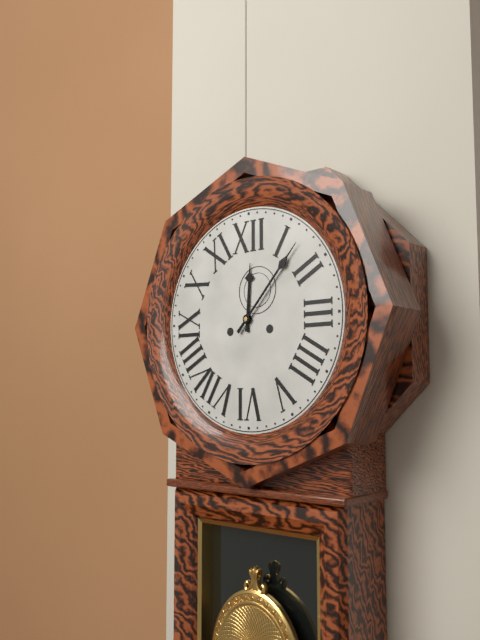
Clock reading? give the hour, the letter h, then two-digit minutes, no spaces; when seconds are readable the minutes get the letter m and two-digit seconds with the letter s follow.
12h07
